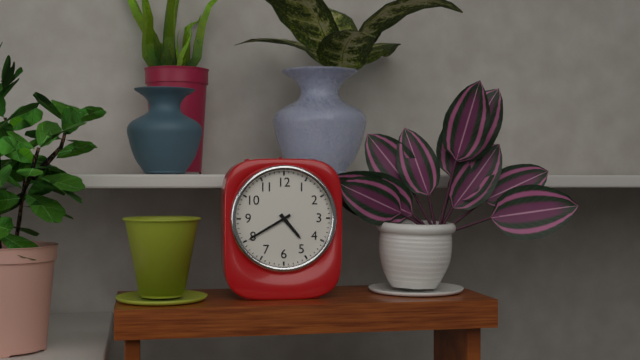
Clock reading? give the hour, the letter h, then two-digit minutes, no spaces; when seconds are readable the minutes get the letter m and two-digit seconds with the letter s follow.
4h40
